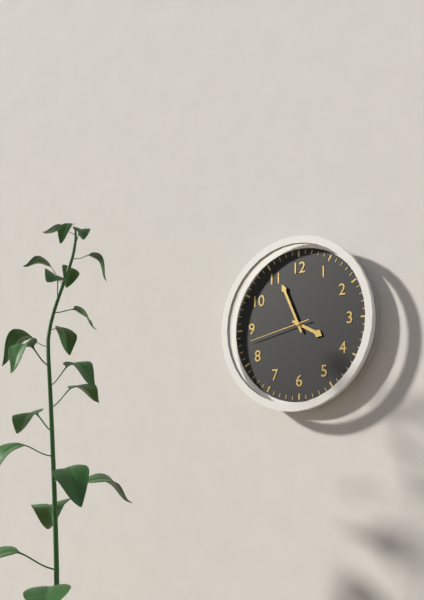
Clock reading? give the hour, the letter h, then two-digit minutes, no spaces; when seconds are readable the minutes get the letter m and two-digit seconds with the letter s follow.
3h56m43s
